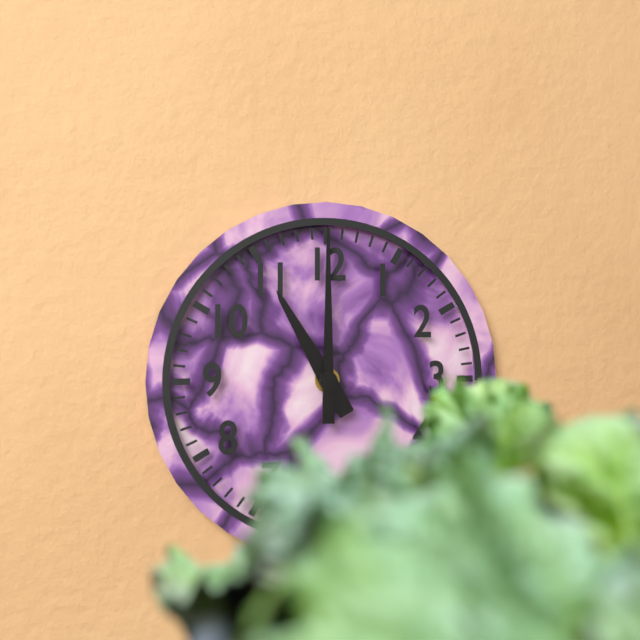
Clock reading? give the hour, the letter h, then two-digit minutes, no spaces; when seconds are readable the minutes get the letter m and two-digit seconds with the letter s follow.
11h00
